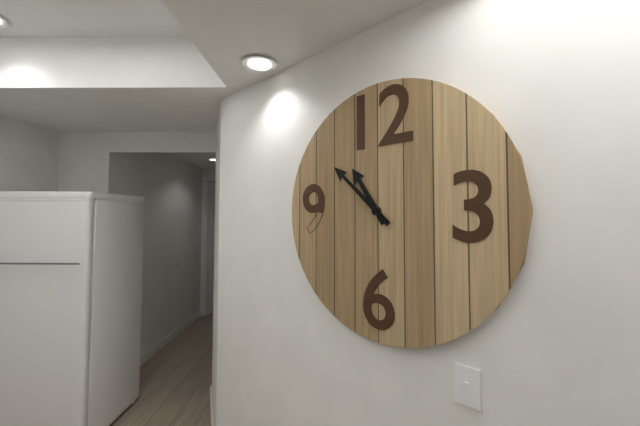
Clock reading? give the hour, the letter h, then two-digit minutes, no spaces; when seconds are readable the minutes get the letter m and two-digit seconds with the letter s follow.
10h52
